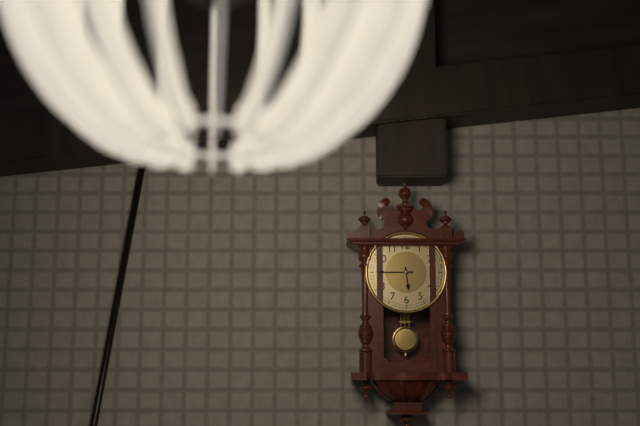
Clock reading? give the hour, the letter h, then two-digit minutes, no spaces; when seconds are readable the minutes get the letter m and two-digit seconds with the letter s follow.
5h45
